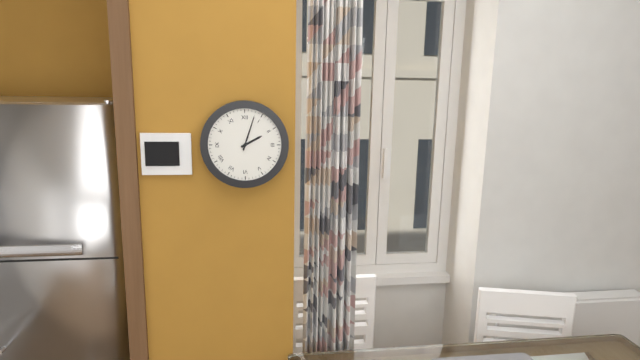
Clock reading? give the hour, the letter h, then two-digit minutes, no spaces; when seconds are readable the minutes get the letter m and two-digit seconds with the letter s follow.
2h03
